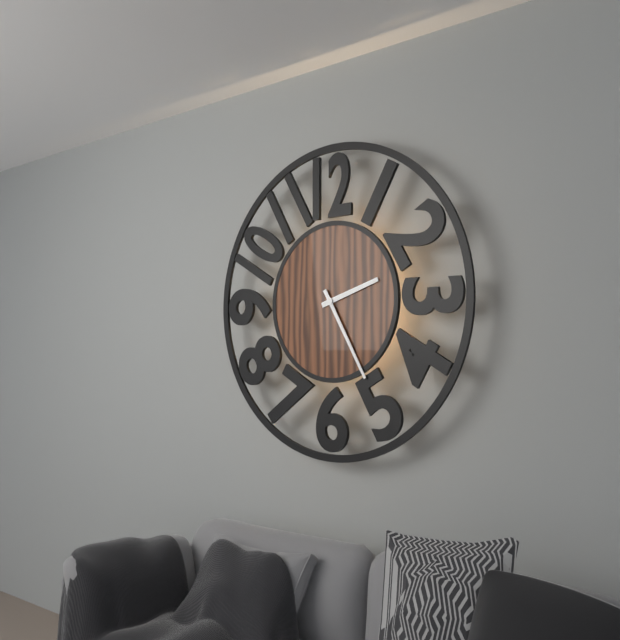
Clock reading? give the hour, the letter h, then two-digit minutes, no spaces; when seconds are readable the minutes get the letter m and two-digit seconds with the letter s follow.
2h25
